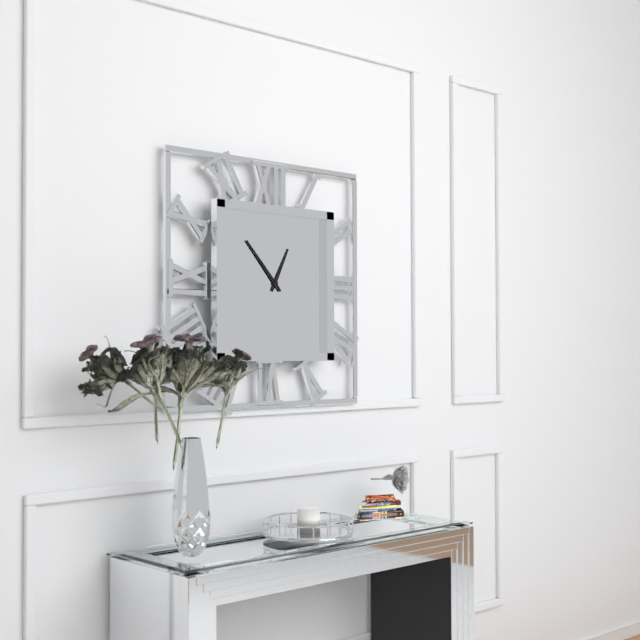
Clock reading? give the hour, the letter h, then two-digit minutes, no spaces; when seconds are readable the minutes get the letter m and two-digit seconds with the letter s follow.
12h53
